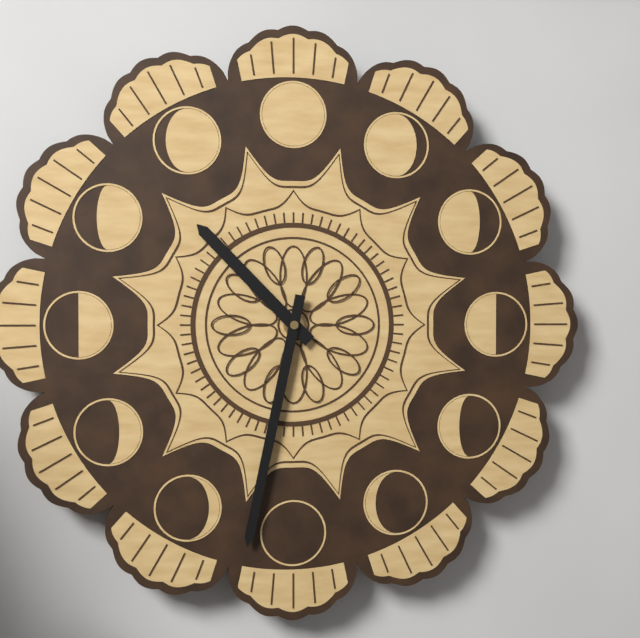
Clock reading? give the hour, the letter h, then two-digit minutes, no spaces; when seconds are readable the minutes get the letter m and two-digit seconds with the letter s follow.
10h32
